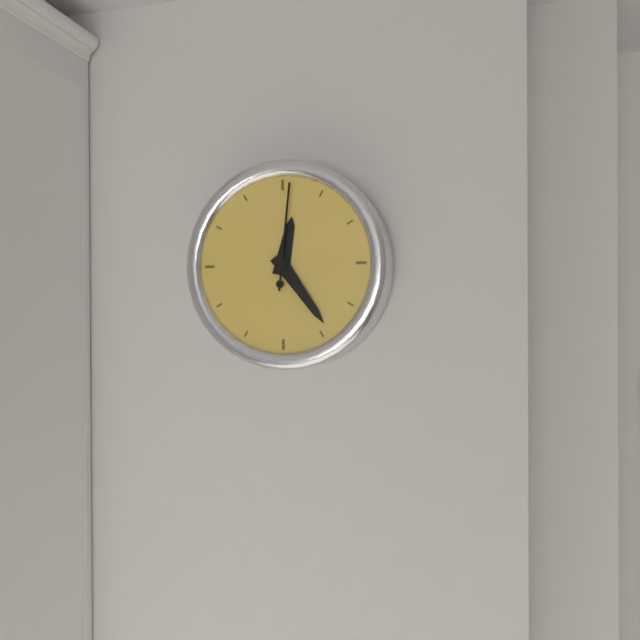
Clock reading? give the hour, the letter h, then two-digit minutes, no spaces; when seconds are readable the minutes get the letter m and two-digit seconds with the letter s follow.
12h24m01s
